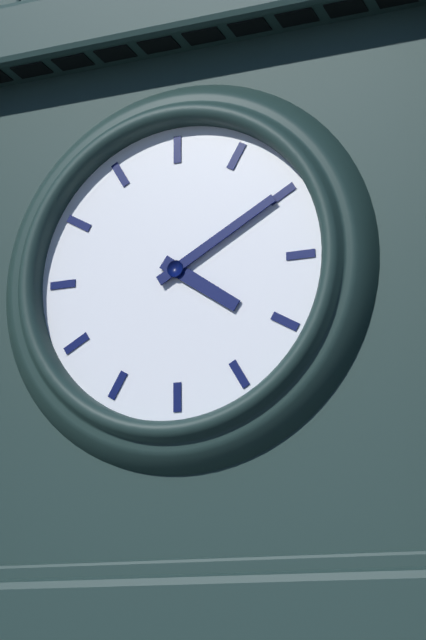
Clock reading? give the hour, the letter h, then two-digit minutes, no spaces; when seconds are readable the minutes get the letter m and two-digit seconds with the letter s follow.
4h10
